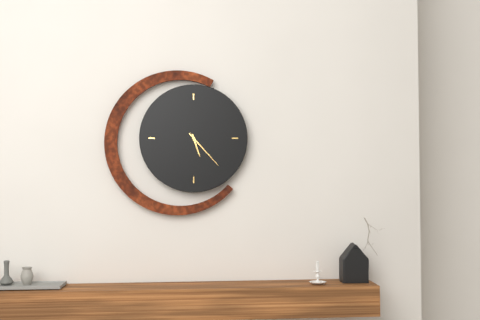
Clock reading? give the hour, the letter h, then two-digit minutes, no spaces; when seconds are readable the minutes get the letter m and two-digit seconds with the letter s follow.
5h23
